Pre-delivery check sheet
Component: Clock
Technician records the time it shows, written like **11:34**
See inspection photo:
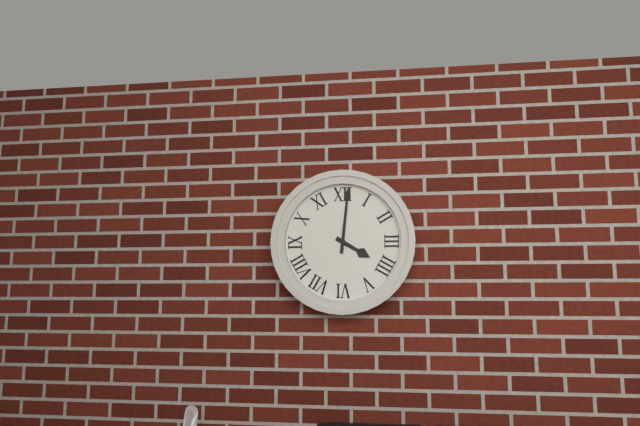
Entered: **4:01**
